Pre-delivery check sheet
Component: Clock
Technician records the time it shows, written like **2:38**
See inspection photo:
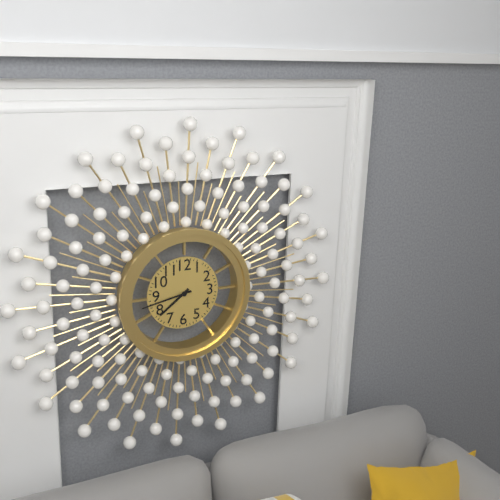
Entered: **7:43**
